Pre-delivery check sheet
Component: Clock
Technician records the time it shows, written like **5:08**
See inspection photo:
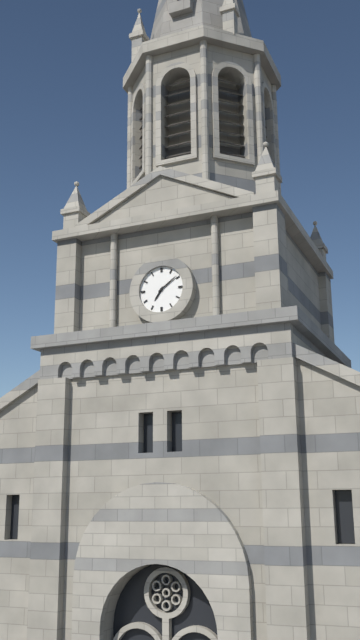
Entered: **7:09**
